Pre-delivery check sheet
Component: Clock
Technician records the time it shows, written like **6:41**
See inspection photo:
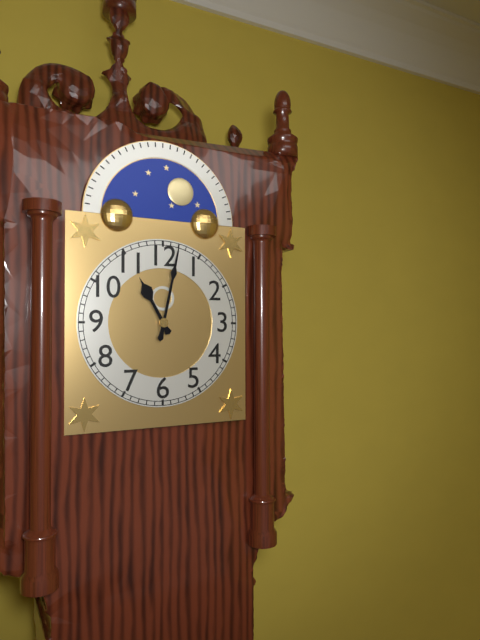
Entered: **11:02**
